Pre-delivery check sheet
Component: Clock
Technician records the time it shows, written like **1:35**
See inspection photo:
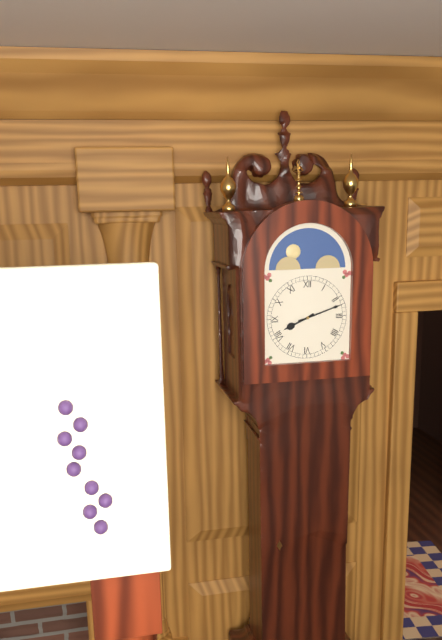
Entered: **8:12**
